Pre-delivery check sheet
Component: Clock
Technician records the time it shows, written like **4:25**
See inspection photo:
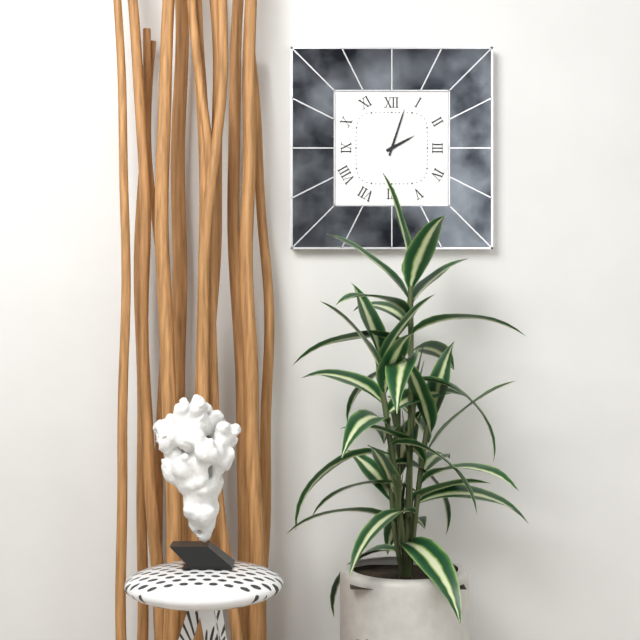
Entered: **2:03**
